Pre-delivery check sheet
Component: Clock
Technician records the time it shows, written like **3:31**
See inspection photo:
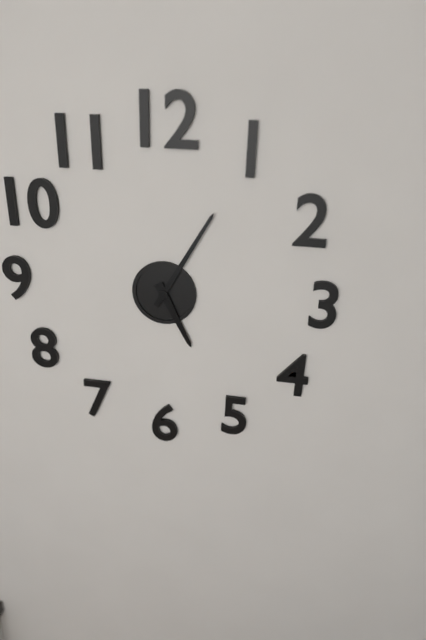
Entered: **5:05**
